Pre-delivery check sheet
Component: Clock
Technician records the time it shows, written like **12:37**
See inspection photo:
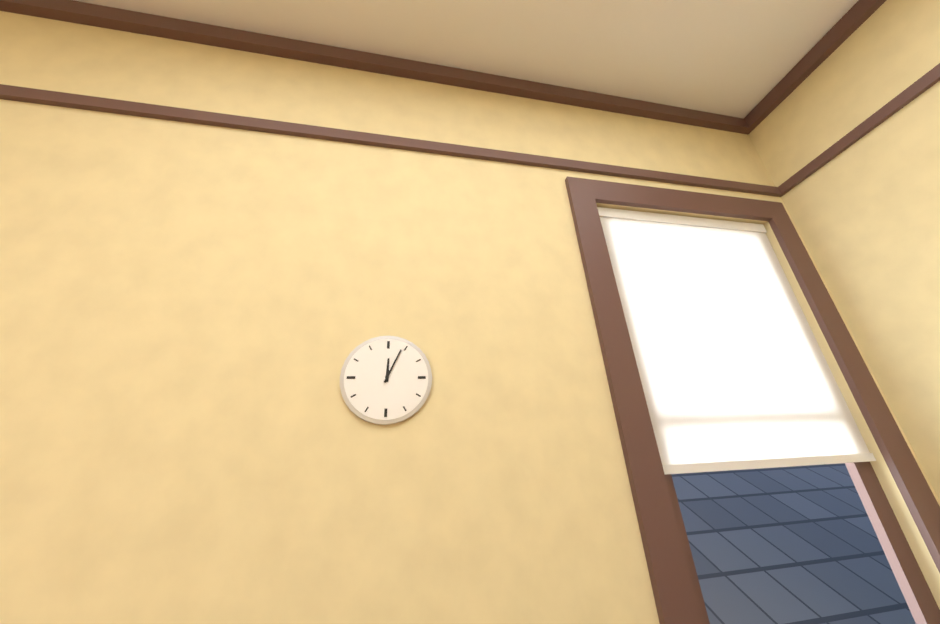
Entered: **12:04**
